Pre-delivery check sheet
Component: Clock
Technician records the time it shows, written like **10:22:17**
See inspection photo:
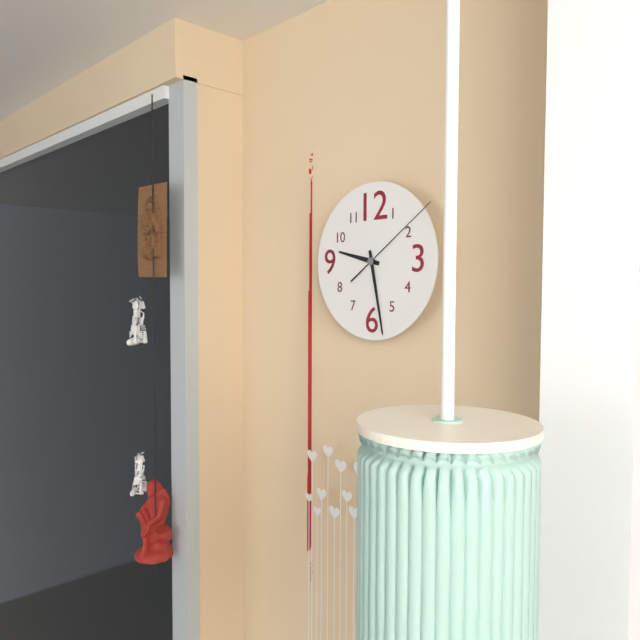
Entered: **9:28:09**
